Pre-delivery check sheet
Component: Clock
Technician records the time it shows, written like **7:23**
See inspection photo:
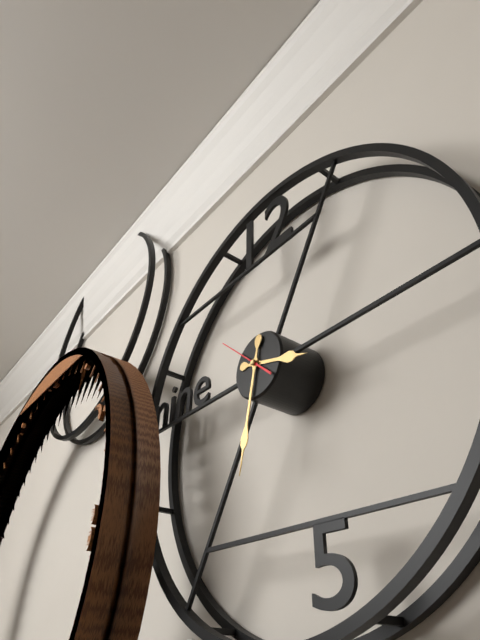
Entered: **3:32**
